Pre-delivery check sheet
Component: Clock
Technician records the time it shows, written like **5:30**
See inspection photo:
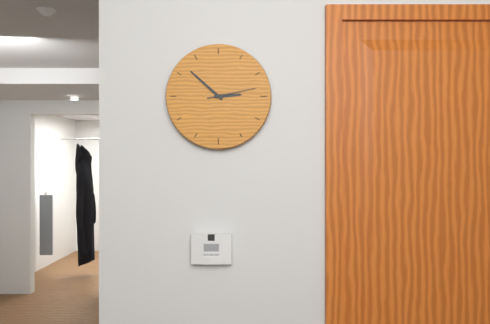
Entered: **2:52**
